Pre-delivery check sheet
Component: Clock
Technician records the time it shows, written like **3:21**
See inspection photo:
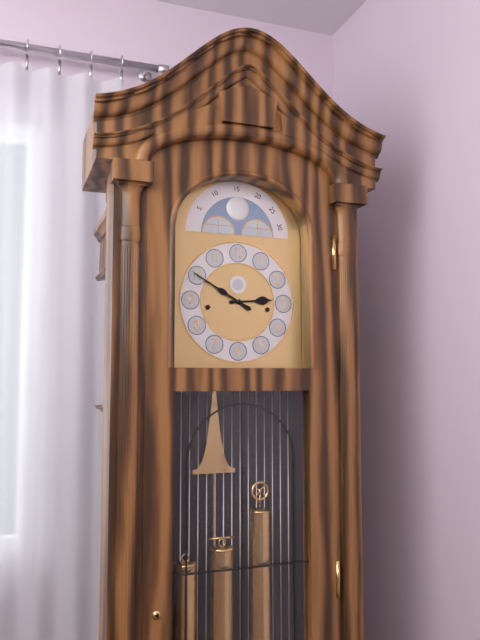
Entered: **2:50**
